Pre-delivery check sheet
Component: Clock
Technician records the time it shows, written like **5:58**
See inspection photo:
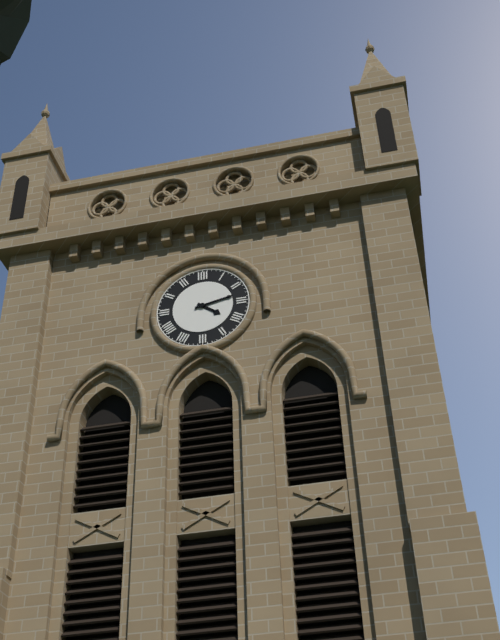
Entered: **4:13**
